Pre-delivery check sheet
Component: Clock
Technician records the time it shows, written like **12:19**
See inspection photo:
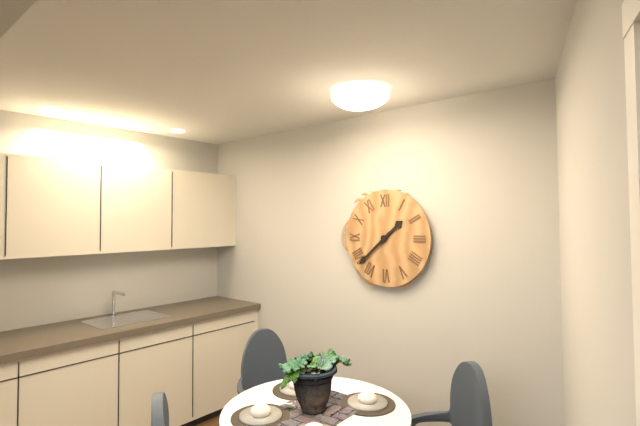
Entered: **1:38**
